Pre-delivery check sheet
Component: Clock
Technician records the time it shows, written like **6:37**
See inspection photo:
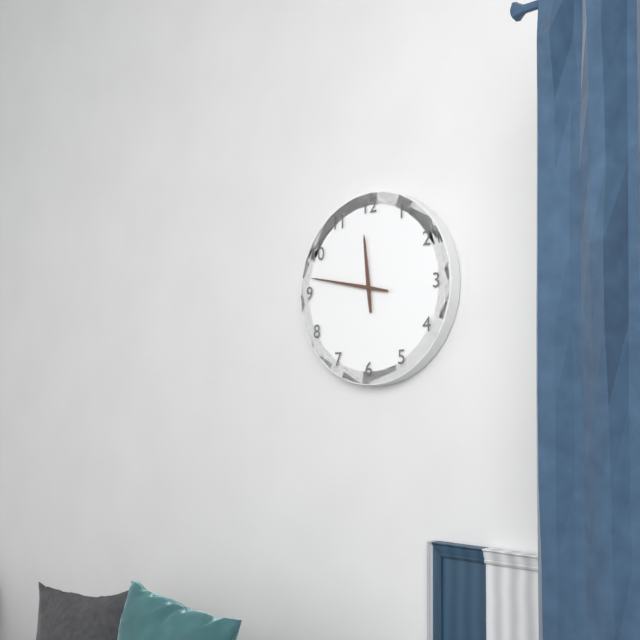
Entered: **11:47**
